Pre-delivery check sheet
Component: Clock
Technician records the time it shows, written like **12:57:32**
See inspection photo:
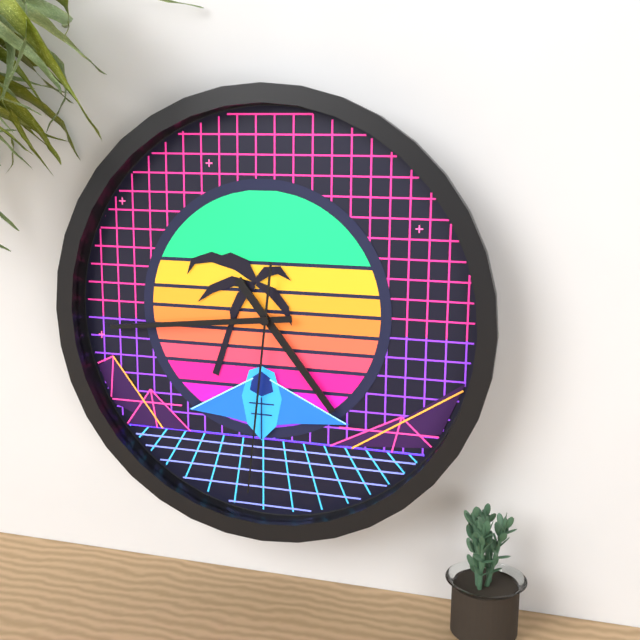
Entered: **4:44:31**
